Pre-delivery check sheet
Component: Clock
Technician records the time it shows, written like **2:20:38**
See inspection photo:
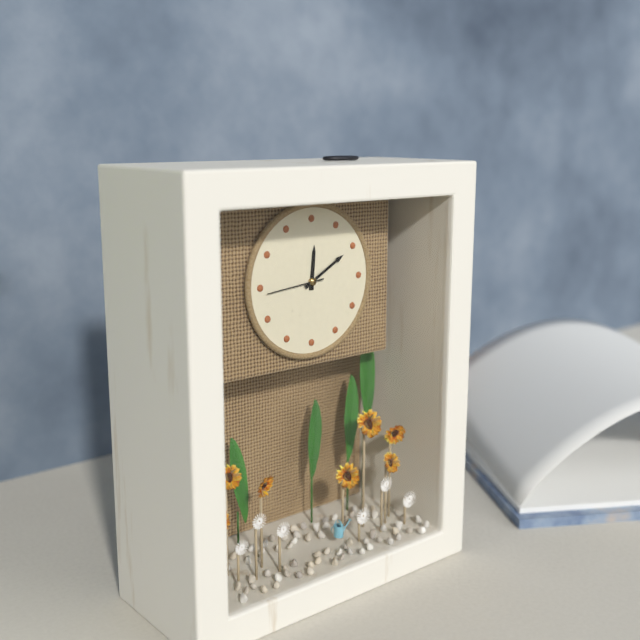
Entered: **12:10:44**
